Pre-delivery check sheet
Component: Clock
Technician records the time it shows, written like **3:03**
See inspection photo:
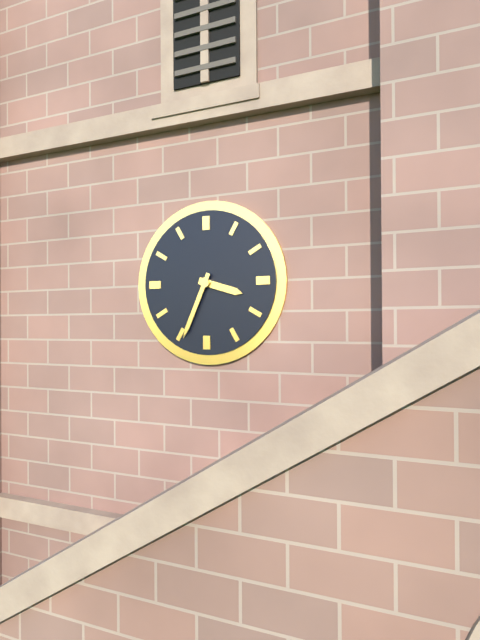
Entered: **3:34**
